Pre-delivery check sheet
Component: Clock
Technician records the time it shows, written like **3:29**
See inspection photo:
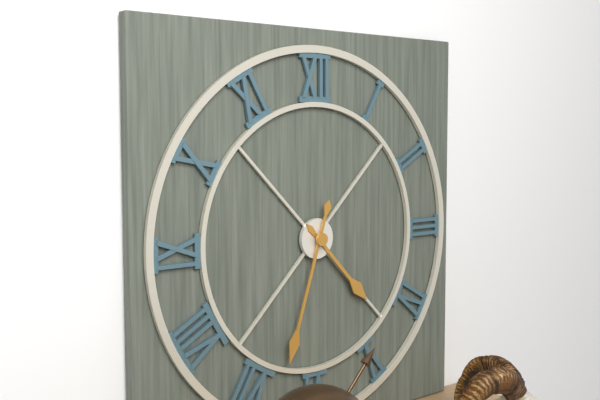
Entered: **4:33**
